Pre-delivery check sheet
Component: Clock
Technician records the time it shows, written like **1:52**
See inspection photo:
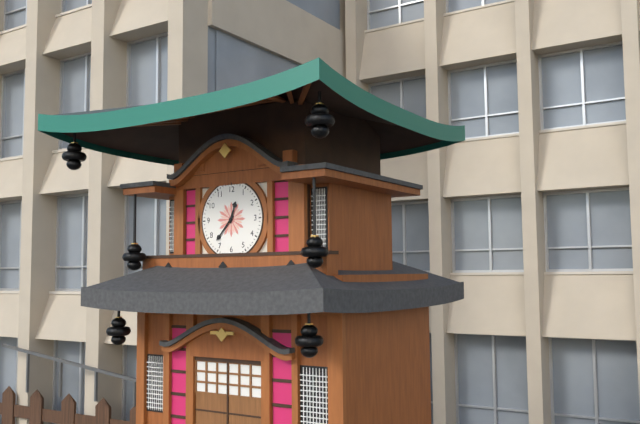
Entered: **12:37**
